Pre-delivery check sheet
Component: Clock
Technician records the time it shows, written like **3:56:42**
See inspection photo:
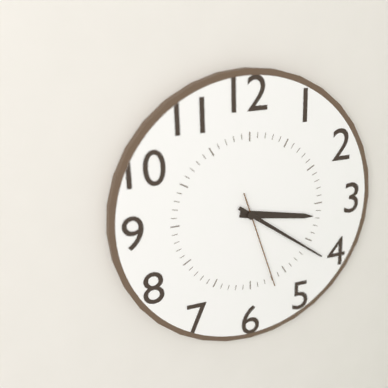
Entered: **3:21:27**
